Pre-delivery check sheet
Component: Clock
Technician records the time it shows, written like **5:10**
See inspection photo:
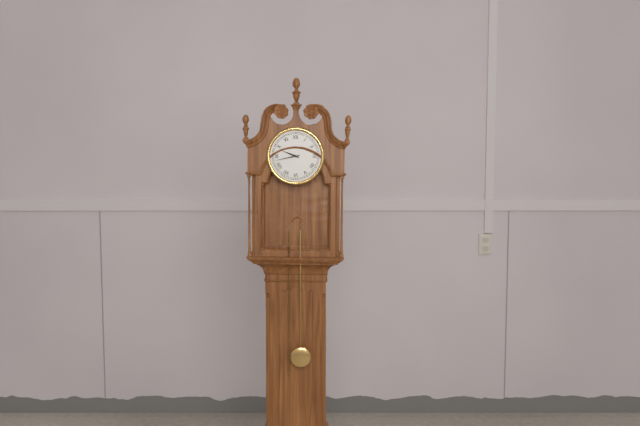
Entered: **9:43**
